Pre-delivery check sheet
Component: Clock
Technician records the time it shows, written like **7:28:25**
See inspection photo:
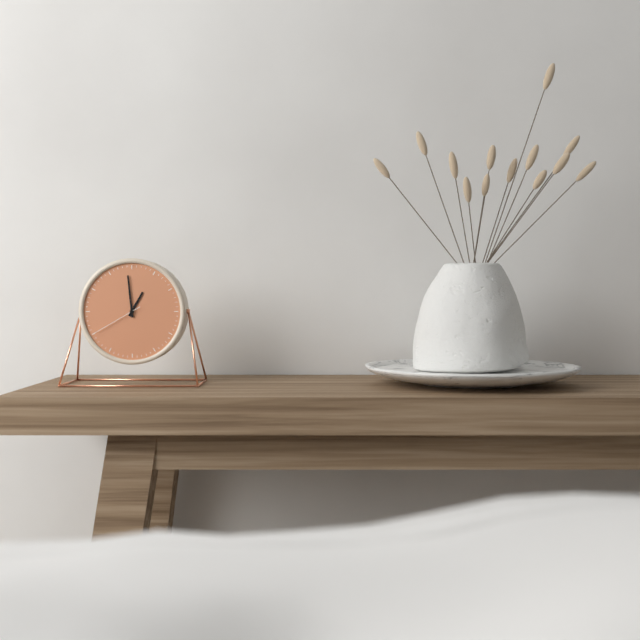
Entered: **12:59:40**
